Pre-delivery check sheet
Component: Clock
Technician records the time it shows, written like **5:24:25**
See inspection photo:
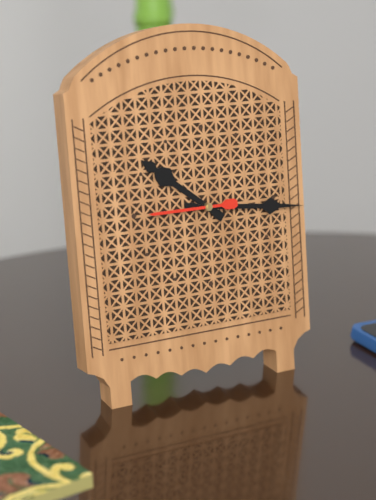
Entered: **10:16:45**
